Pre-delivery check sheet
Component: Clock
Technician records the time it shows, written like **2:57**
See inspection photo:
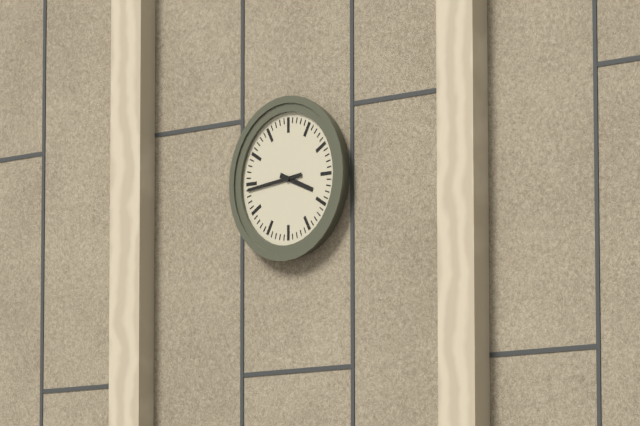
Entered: **3:44**
